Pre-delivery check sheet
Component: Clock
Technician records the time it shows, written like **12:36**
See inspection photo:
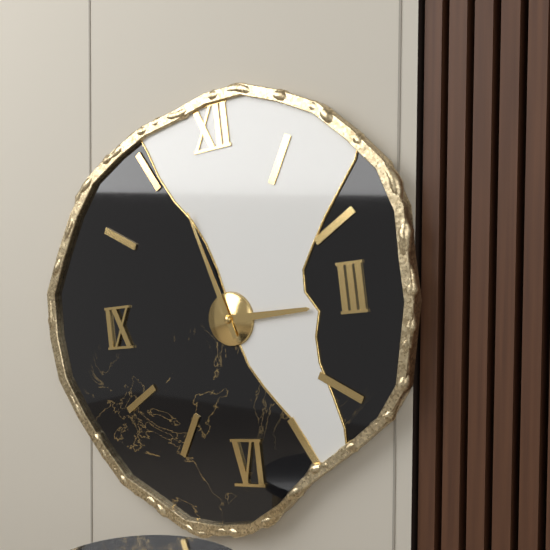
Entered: **2:57**
